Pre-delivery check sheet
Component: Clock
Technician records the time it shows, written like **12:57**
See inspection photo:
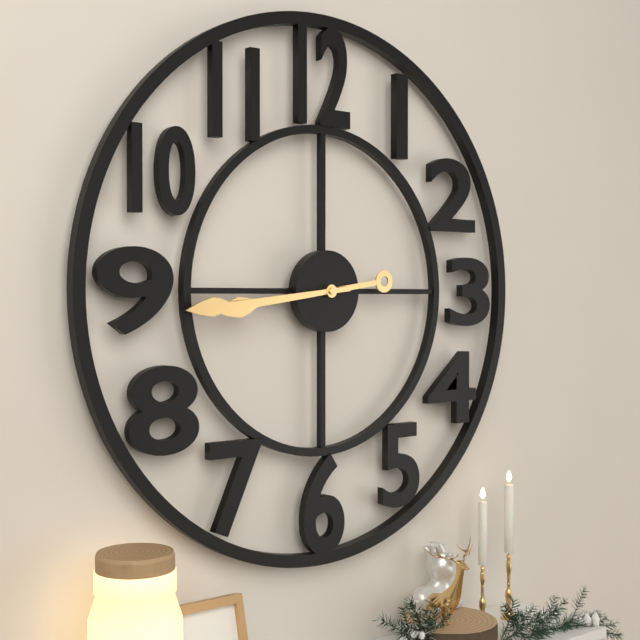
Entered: **8:44**
